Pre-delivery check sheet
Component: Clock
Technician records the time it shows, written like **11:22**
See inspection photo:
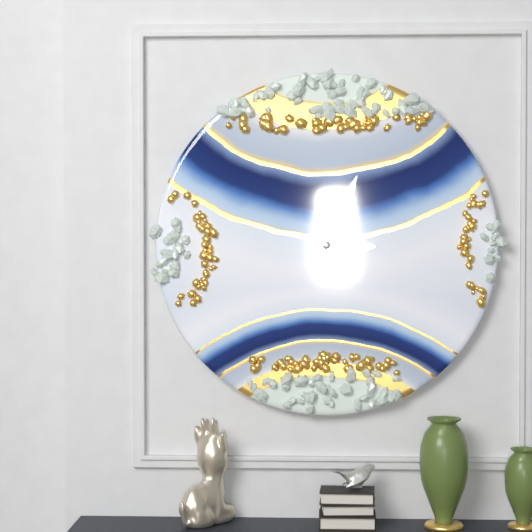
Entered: **3:04**
